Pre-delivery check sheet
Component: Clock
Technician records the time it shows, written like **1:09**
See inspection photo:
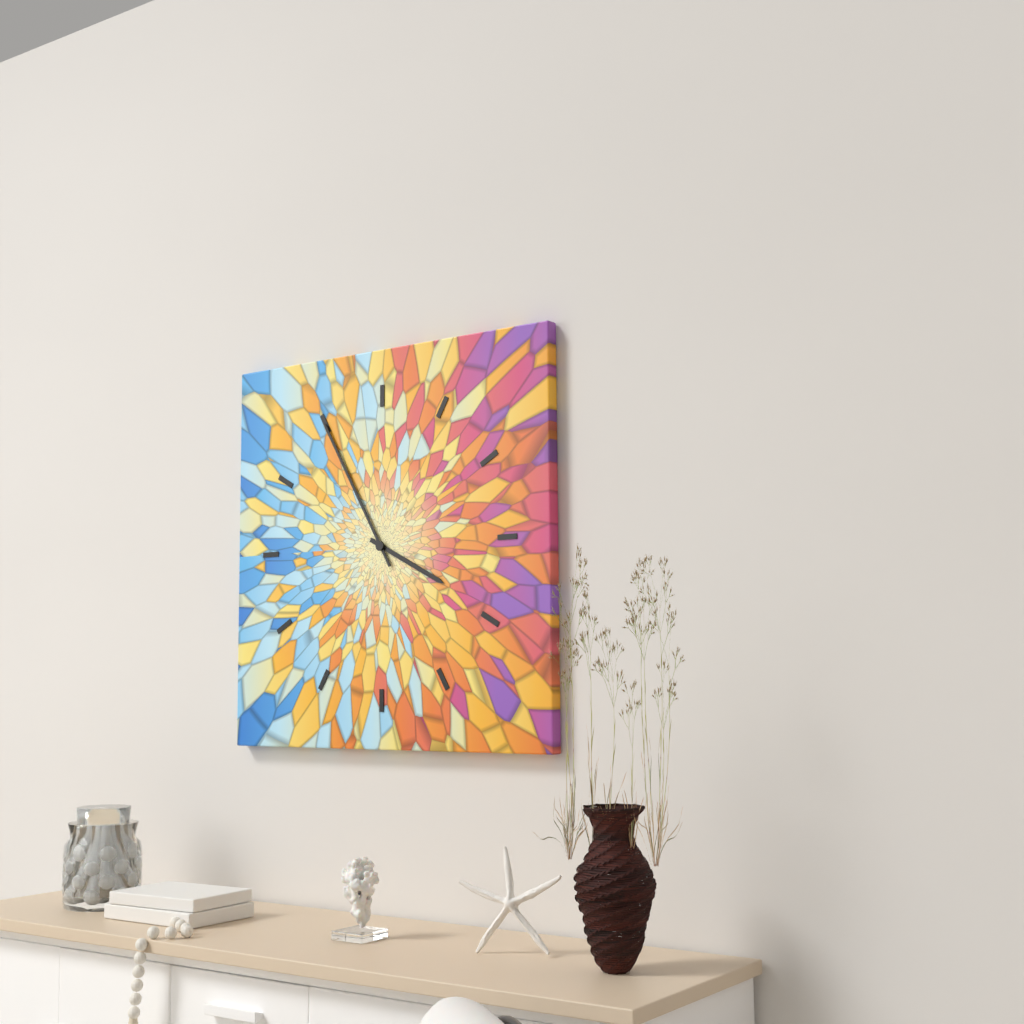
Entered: **3:55**
